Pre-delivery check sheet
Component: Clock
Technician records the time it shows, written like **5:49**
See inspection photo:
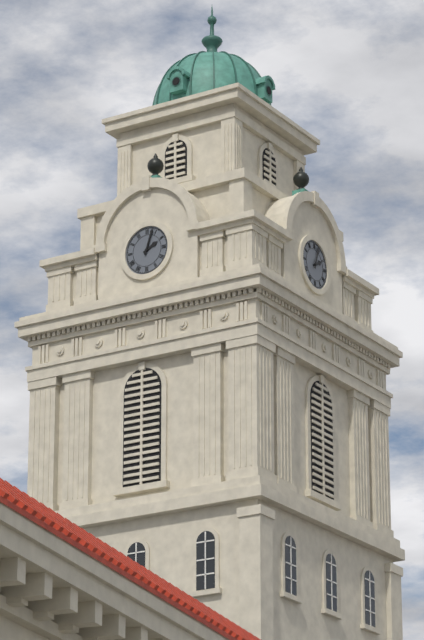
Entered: **2:03**
